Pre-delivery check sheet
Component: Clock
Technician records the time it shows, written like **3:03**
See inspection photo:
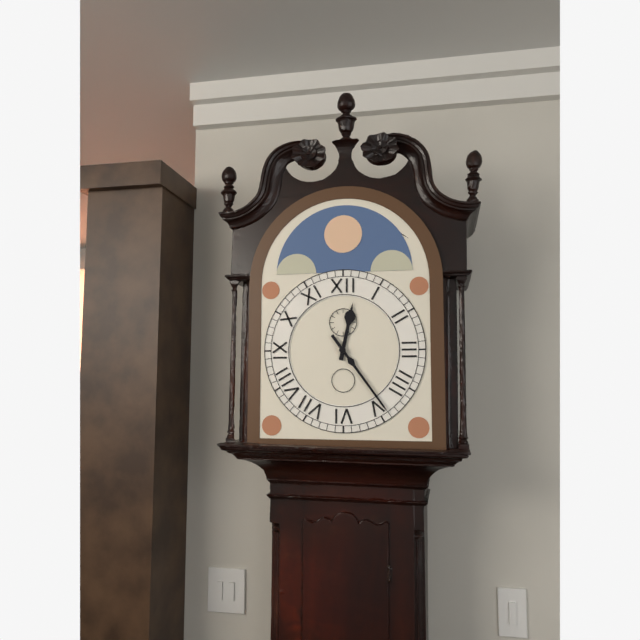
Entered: **12:24**
